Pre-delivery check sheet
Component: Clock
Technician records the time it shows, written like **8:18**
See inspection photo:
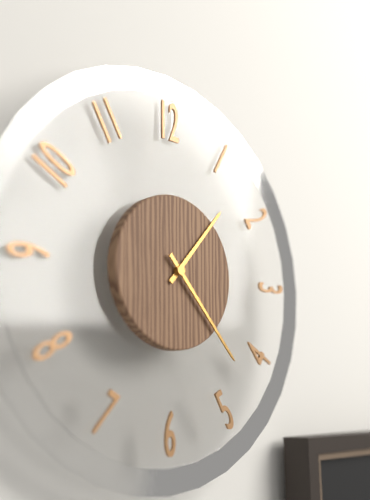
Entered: **1:23**
